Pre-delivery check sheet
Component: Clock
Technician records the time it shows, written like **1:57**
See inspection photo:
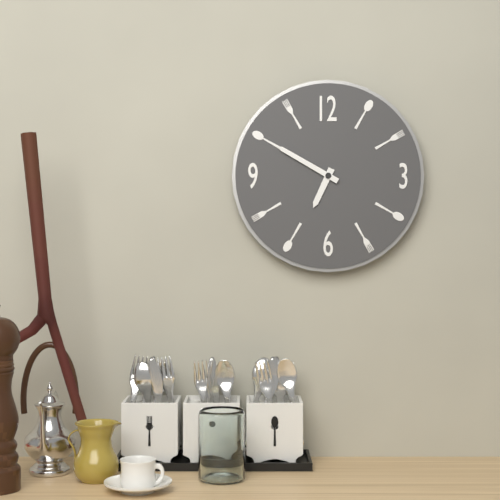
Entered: **6:50**
